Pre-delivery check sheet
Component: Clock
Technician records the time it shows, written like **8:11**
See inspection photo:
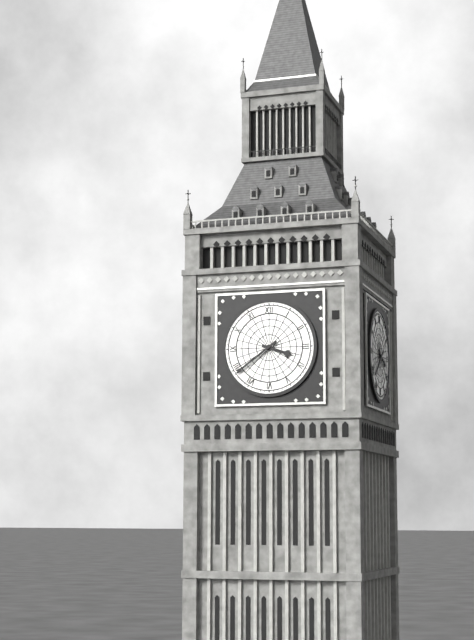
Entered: **3:39**
